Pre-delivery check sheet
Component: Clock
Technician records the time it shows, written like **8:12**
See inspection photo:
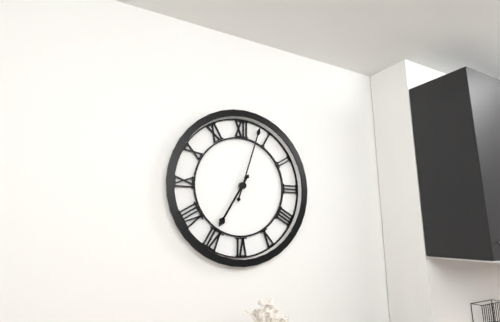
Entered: **7:03**
